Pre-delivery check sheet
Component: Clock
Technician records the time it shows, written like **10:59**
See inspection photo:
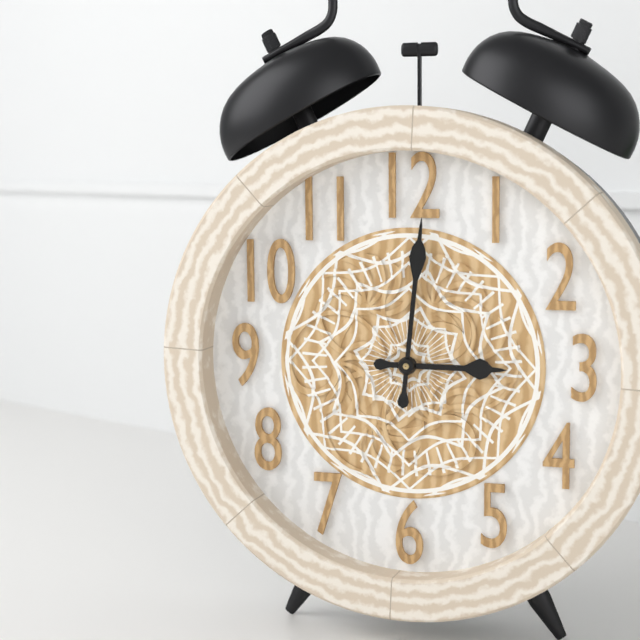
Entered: **3:01**
